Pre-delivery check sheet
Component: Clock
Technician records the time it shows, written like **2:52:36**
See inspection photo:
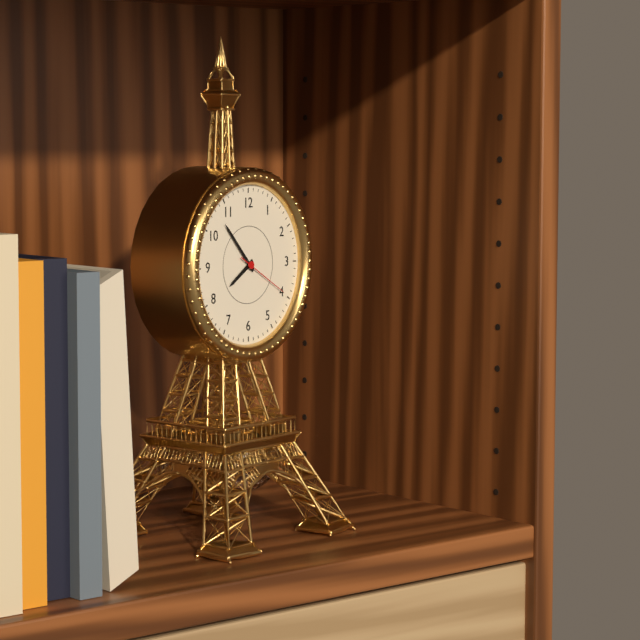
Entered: **7:53:20**
